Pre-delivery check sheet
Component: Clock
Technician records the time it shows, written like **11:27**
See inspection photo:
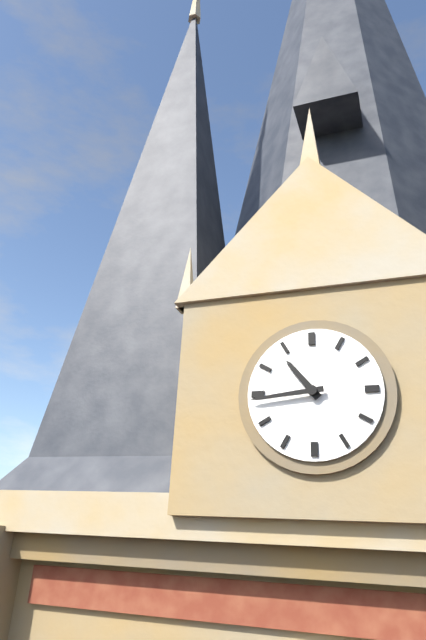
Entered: **10:44**
